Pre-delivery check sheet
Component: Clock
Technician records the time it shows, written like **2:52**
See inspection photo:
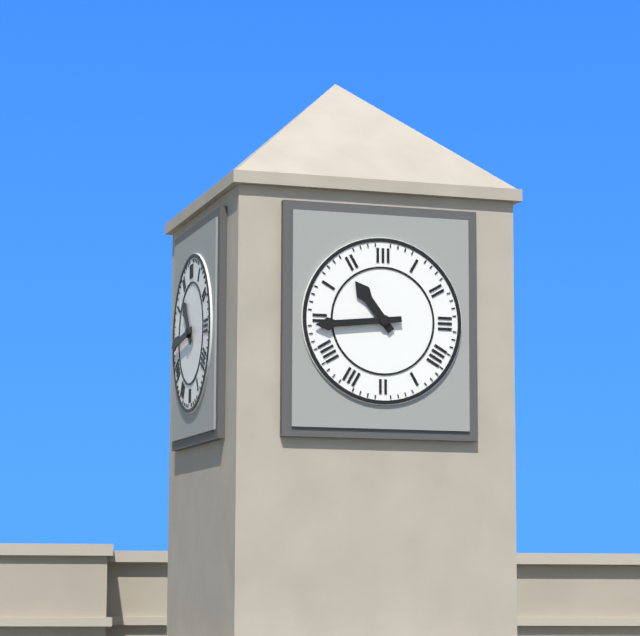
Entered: **10:44**
